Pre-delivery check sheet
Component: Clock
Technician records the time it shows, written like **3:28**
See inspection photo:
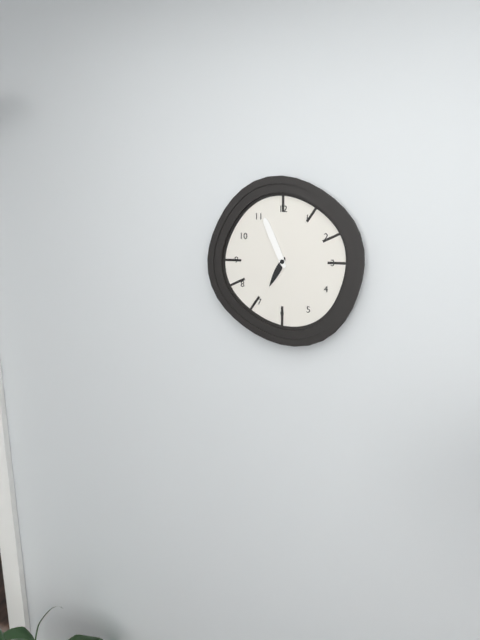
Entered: **6:56**
